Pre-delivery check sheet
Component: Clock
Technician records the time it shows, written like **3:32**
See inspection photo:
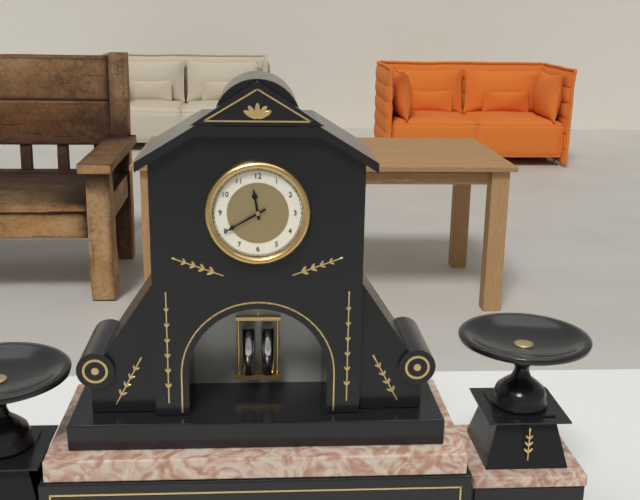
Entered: **11:40**
